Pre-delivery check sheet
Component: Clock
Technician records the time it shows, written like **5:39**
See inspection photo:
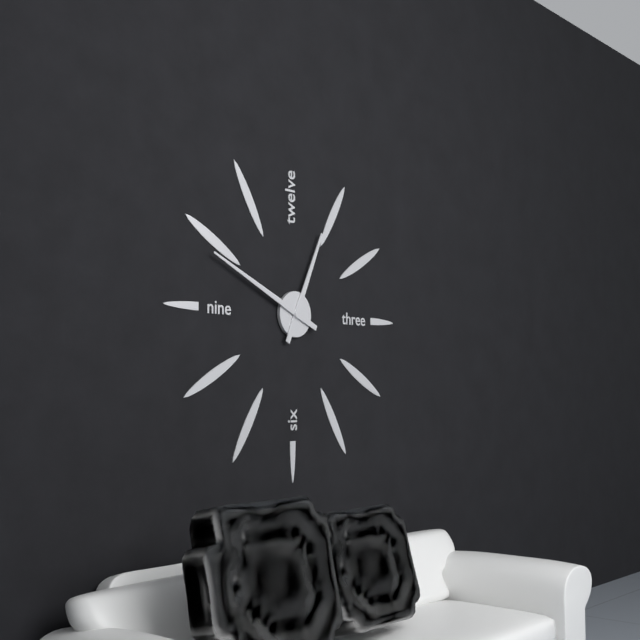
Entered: **12:49**
